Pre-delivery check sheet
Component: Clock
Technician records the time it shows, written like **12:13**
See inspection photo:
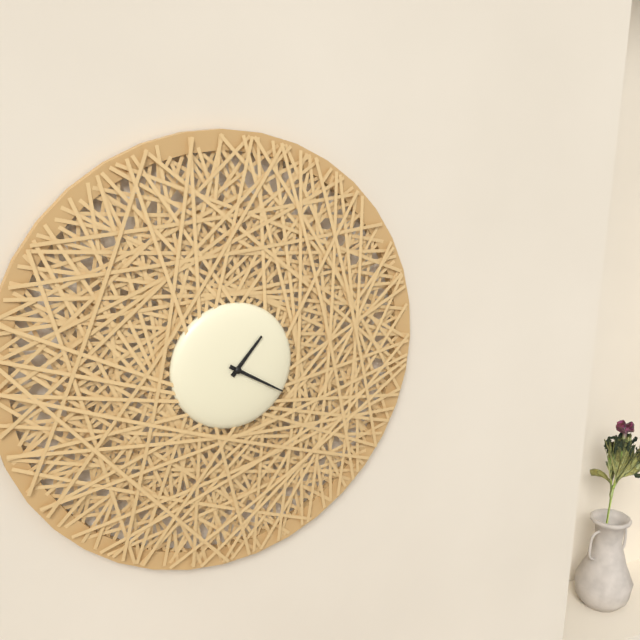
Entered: **1:20**
